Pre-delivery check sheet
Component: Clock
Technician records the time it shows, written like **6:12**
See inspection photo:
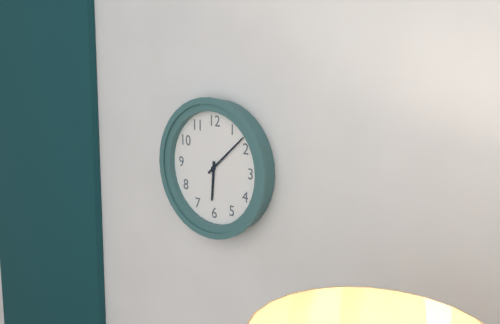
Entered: **6:08**
